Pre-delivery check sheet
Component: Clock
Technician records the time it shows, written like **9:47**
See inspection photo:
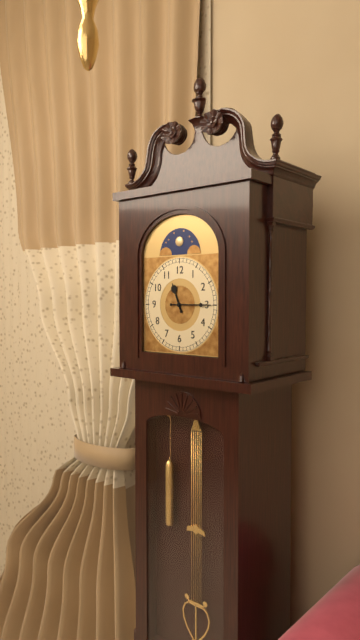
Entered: **11:15**
